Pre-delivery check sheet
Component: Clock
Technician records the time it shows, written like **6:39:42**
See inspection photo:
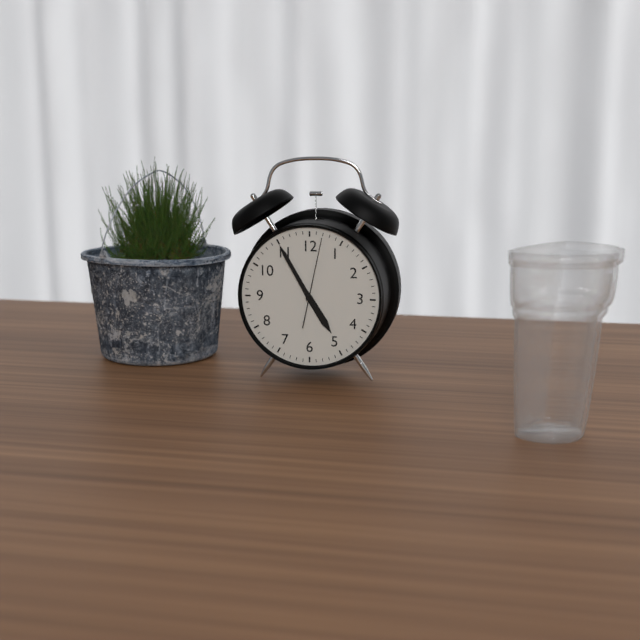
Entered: **4:55:02**
